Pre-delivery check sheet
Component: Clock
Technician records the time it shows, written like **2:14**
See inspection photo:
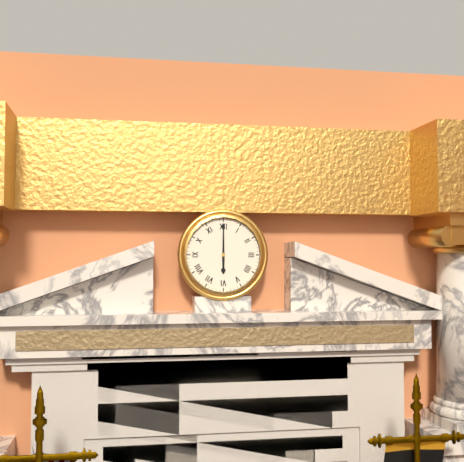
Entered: **6:00**
